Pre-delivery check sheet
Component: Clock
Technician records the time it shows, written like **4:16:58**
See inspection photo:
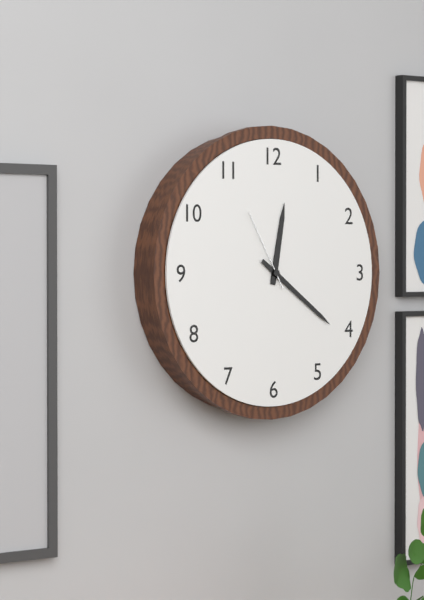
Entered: **12:21:55**
